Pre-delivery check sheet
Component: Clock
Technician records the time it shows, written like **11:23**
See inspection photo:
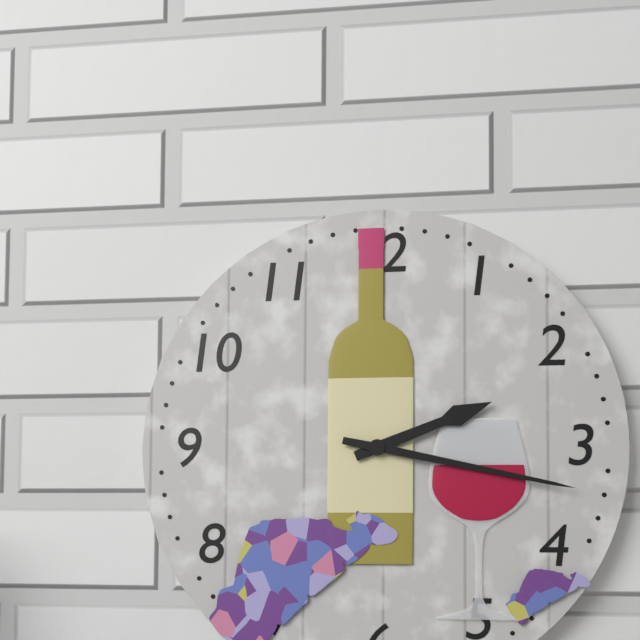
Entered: **2:17**
